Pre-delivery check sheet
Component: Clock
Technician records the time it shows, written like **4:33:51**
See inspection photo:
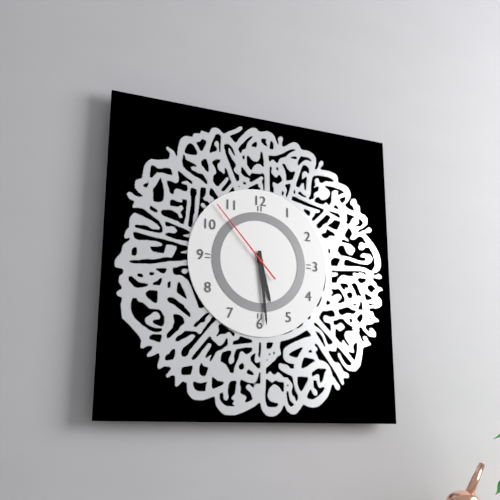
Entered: **5:29:53**
